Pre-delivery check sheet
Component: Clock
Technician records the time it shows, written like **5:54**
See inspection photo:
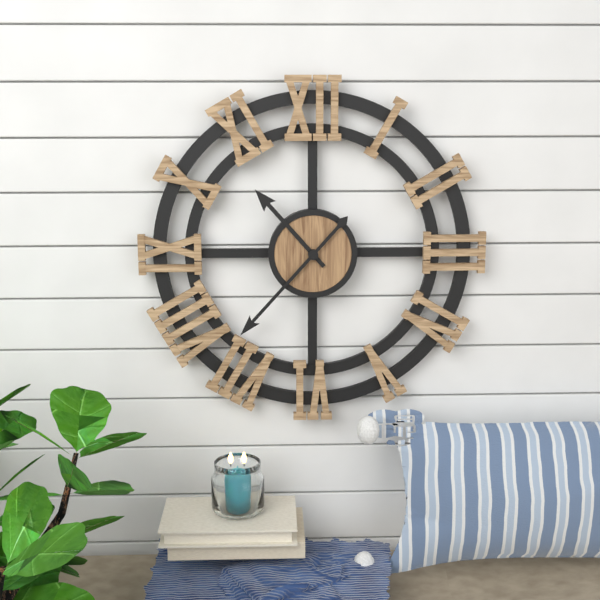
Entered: **10:37**
